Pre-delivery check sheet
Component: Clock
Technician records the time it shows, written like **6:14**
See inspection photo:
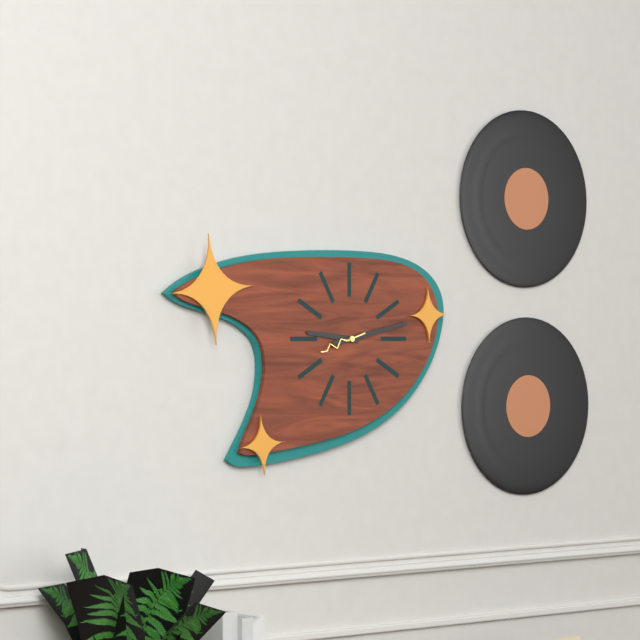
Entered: **9:13**
